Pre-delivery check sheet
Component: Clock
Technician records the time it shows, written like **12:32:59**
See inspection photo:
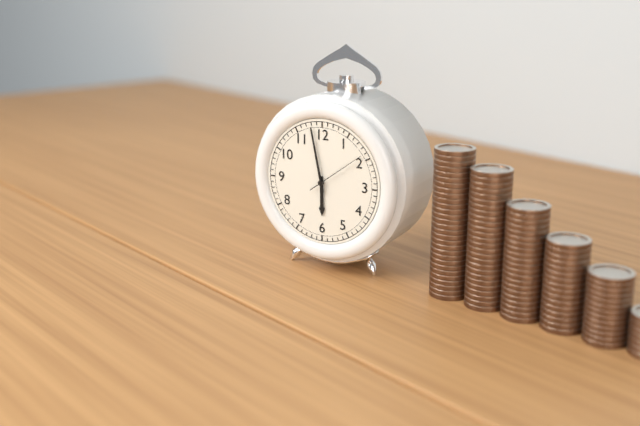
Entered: **5:58:09**
